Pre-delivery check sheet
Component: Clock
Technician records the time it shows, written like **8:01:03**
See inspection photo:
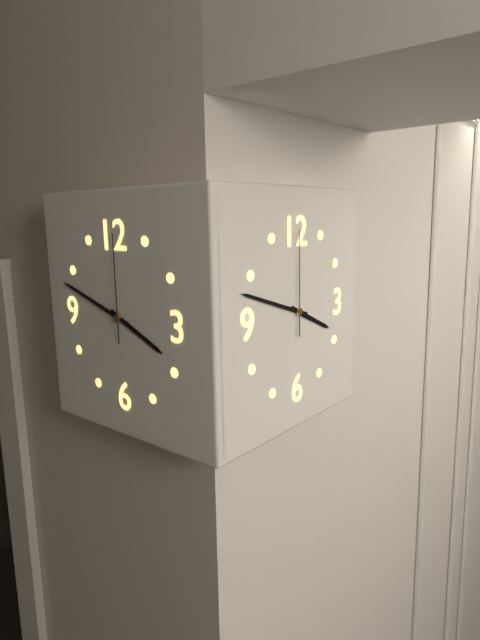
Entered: **3:48:00**
